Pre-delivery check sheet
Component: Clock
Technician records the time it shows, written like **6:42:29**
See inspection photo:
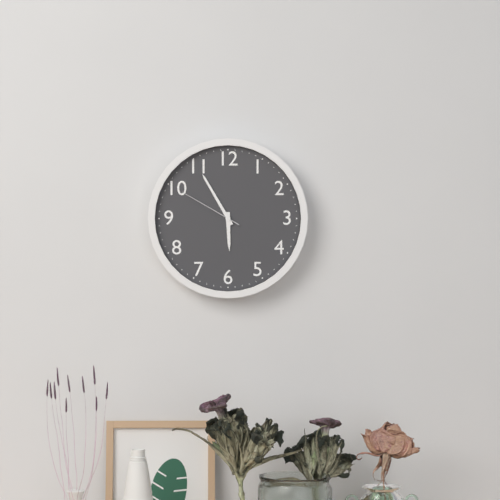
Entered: **5:55:50**
